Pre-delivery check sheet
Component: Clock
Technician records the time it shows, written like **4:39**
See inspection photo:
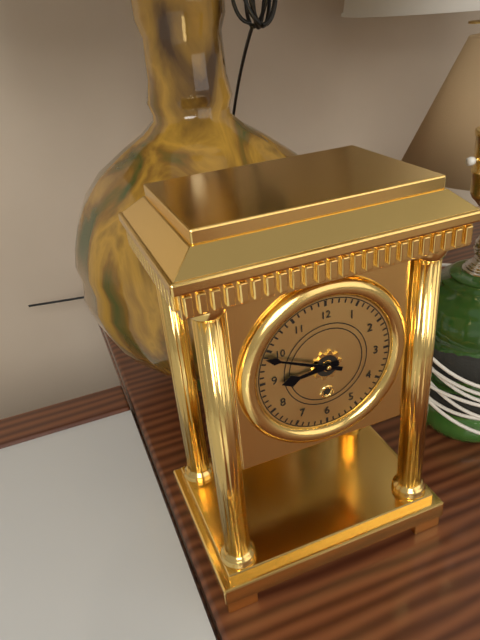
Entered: **8:49**
